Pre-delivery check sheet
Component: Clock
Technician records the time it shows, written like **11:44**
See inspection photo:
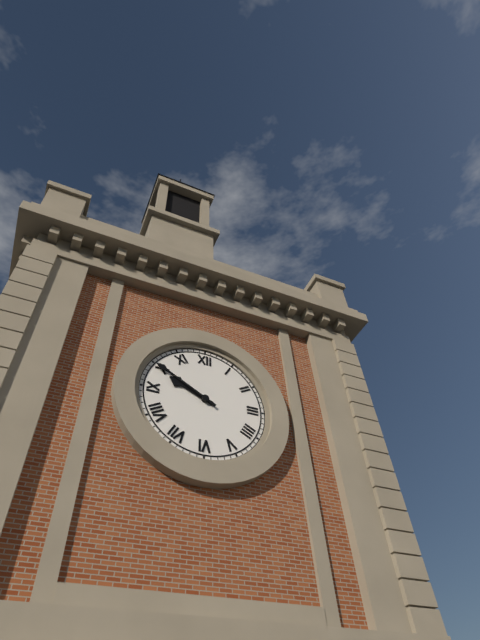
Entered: **9:50**
